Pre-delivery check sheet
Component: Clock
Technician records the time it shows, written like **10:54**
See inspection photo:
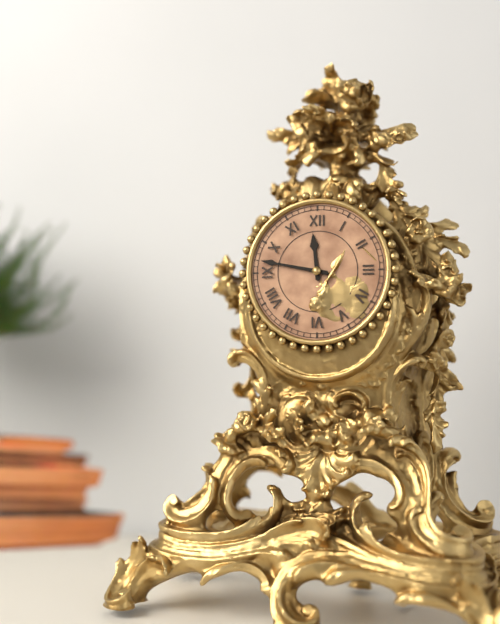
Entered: **11:47**
